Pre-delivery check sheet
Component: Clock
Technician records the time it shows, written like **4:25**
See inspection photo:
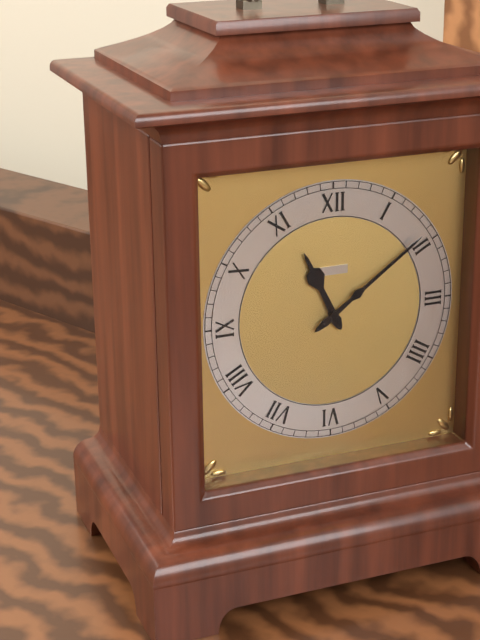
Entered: **11:09**
